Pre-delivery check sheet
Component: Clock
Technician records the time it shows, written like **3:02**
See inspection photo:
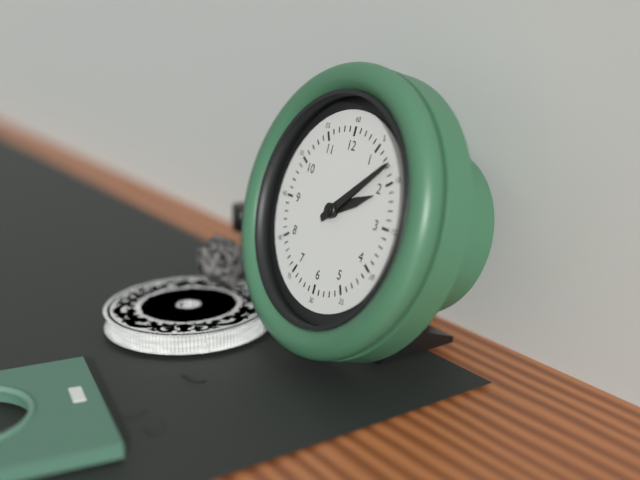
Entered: **2:08**
